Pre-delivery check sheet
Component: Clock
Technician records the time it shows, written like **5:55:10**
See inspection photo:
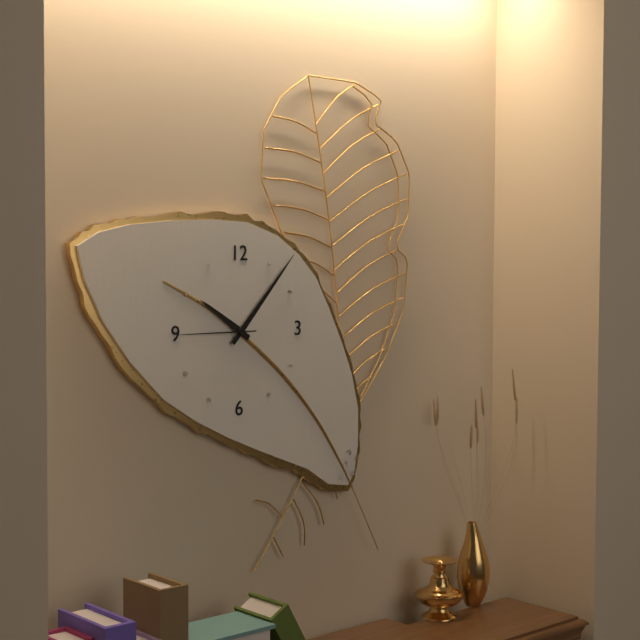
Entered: **10:07:45**
